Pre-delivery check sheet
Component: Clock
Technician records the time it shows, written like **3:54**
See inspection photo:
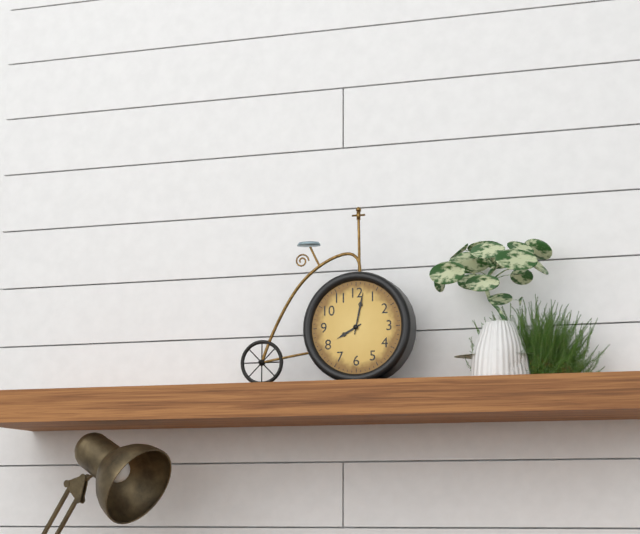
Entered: **8:02**
